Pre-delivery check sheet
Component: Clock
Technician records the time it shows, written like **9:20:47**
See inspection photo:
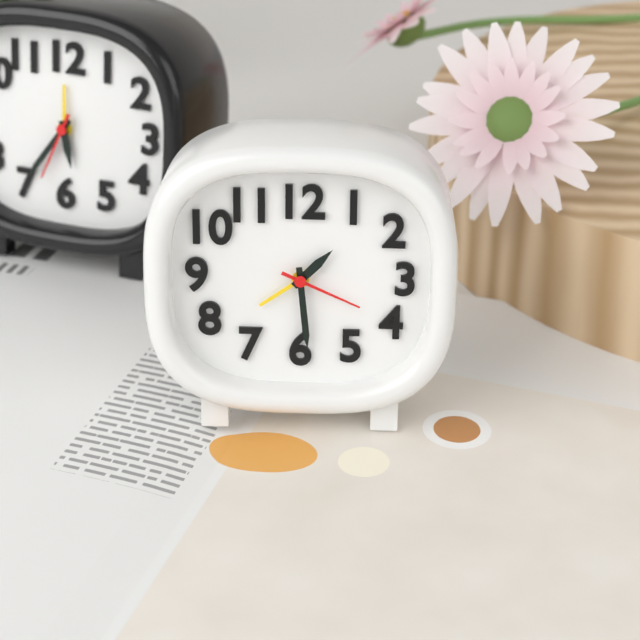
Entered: **1:29:19**
